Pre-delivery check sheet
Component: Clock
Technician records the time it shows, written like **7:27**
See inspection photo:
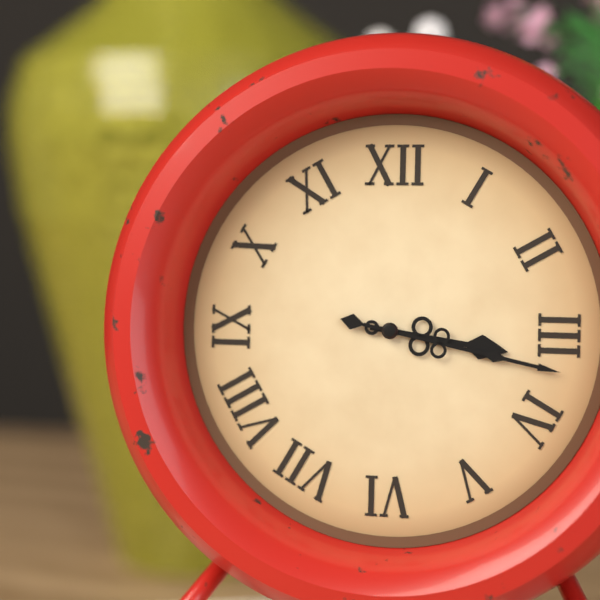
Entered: **3:17**
